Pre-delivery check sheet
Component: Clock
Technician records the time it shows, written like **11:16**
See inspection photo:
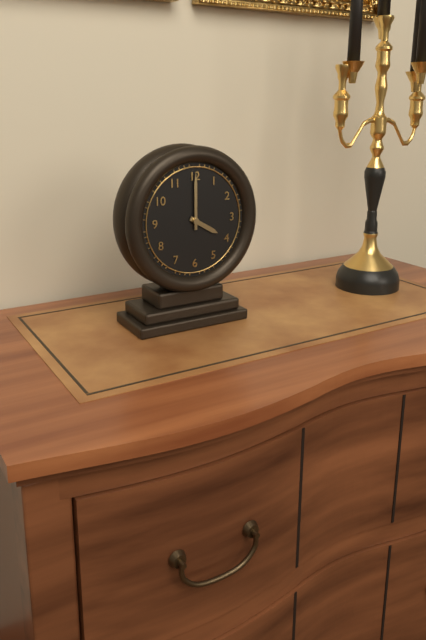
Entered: **4:00**
